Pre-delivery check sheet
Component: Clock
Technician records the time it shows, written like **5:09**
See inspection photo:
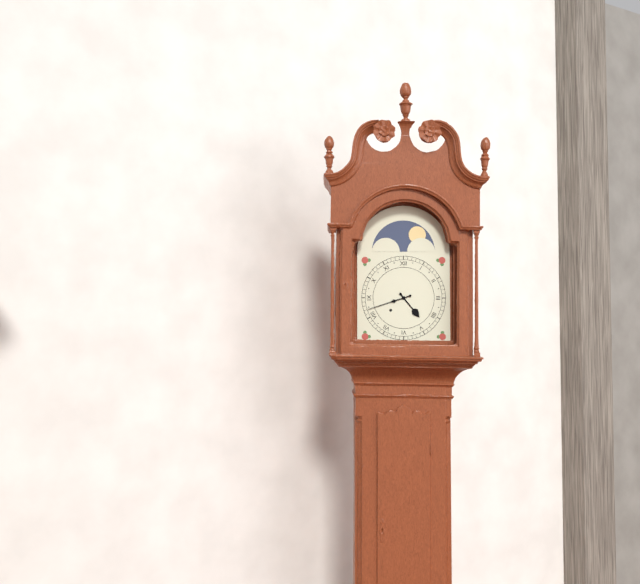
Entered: **4:42**
